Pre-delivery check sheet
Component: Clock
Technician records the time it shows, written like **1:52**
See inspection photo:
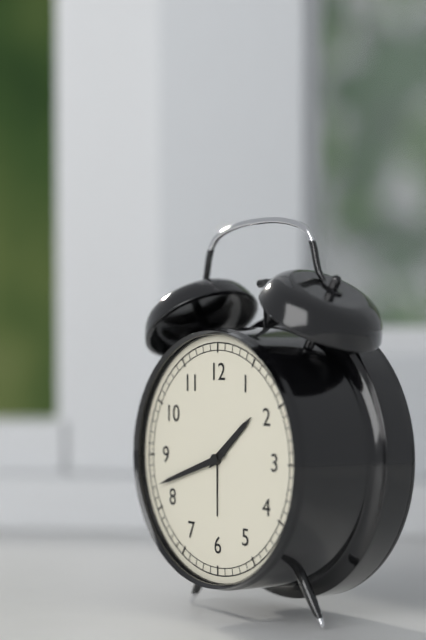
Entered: **1:42**
